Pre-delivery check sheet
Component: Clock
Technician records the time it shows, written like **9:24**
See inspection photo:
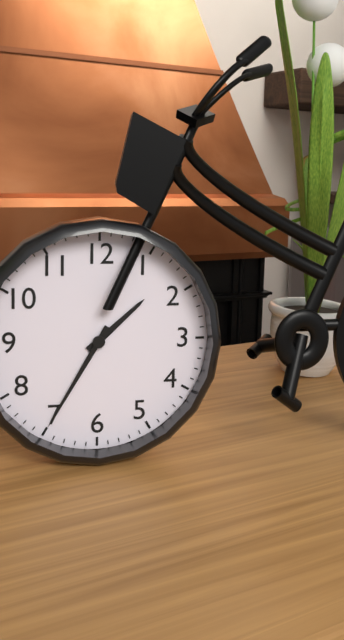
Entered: **1:35**
